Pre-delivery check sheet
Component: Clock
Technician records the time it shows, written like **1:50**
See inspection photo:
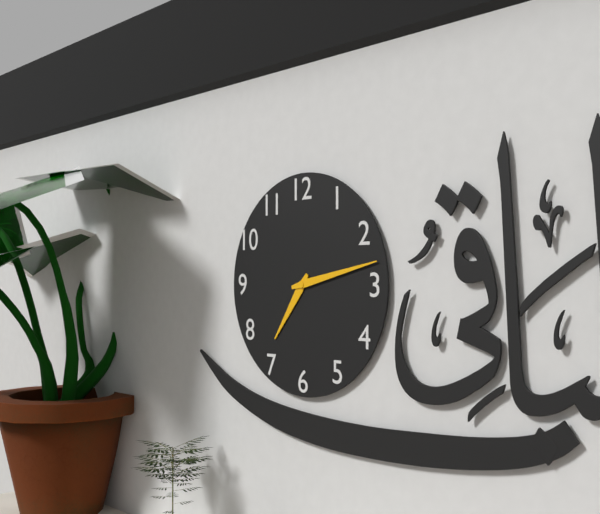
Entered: **7:13**
